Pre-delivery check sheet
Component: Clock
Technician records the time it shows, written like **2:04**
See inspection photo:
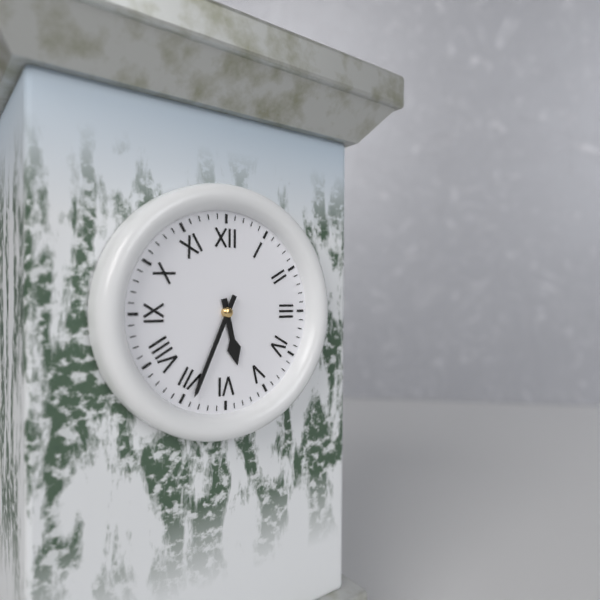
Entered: **5:34**
